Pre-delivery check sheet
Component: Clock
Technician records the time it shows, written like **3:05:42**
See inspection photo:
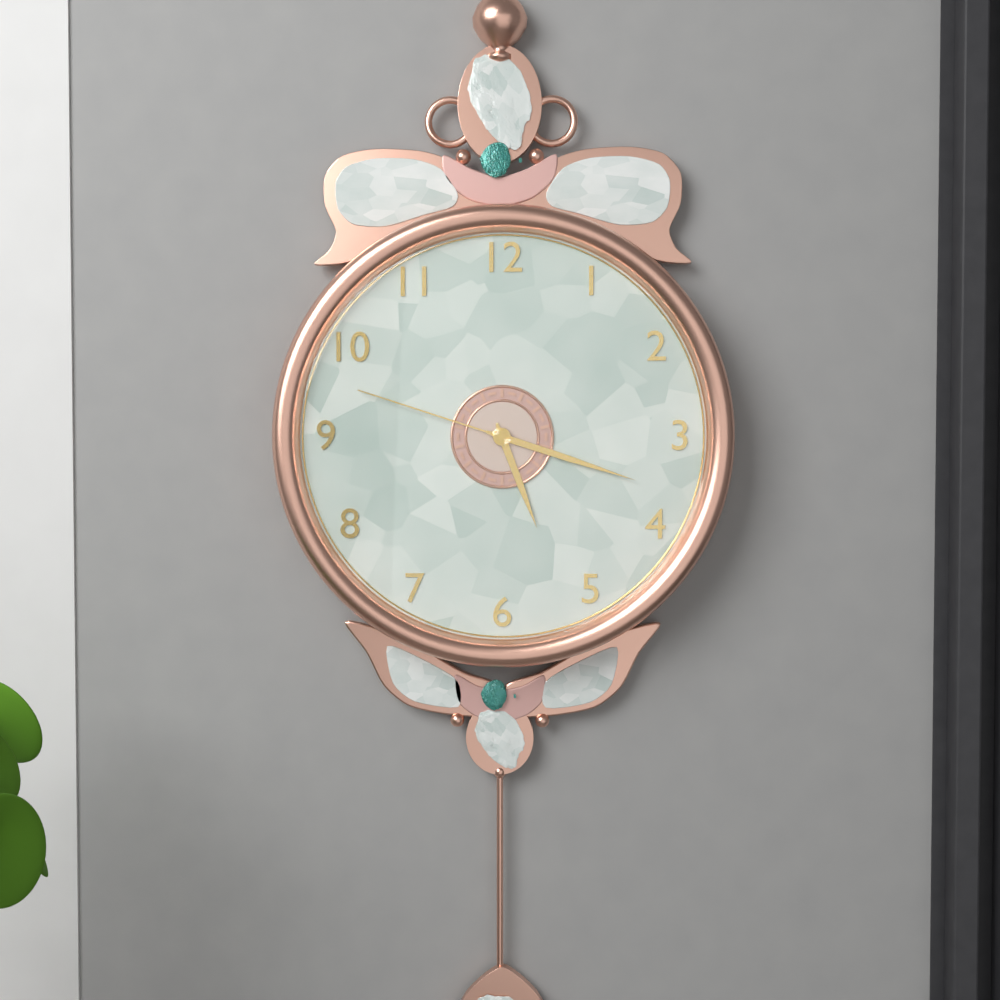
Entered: **5:18:48**
